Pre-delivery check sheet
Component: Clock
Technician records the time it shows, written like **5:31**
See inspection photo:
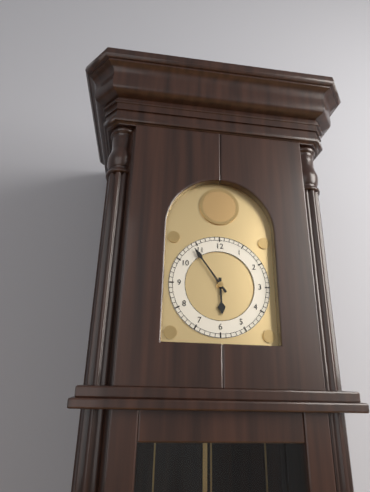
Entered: **5:54**
